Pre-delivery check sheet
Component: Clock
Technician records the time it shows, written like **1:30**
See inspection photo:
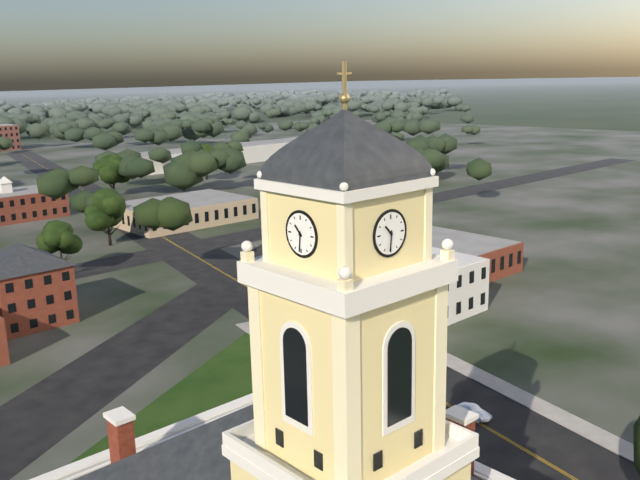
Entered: **10:31**
